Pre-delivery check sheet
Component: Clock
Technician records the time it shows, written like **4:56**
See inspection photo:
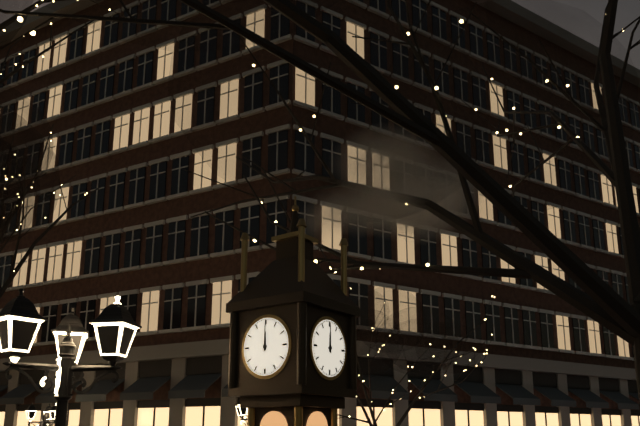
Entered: **12:00**
